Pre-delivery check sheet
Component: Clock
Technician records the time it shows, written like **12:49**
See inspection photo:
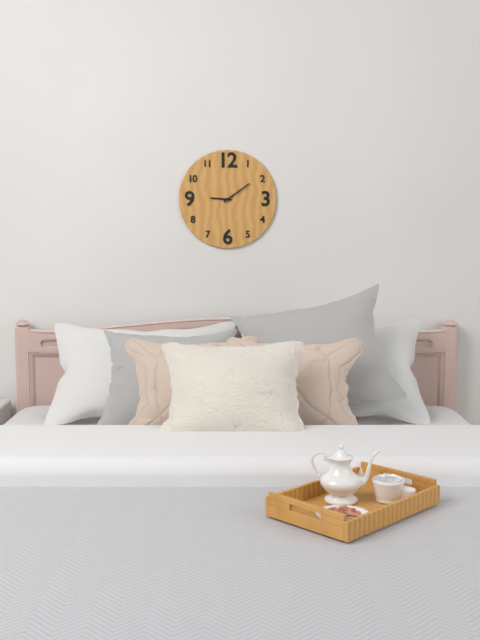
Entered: **9:09**
